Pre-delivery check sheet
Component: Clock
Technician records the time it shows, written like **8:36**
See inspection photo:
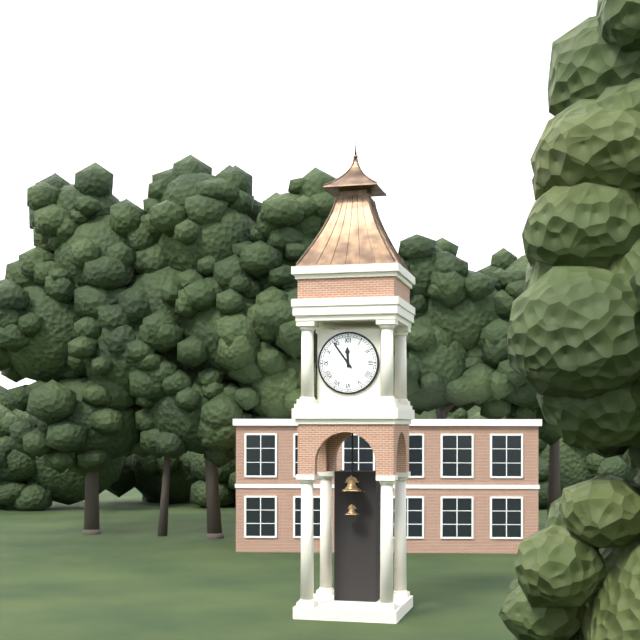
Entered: **11:54**
